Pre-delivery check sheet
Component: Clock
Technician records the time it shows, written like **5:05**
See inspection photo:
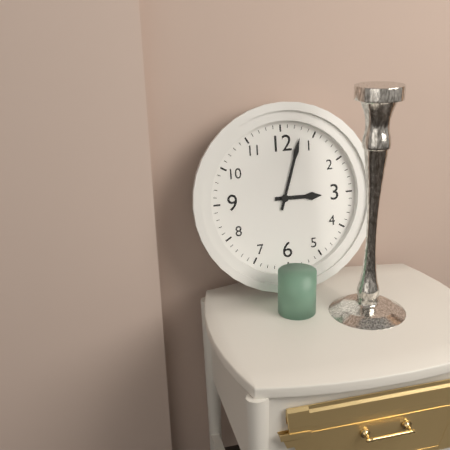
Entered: **3:03**
